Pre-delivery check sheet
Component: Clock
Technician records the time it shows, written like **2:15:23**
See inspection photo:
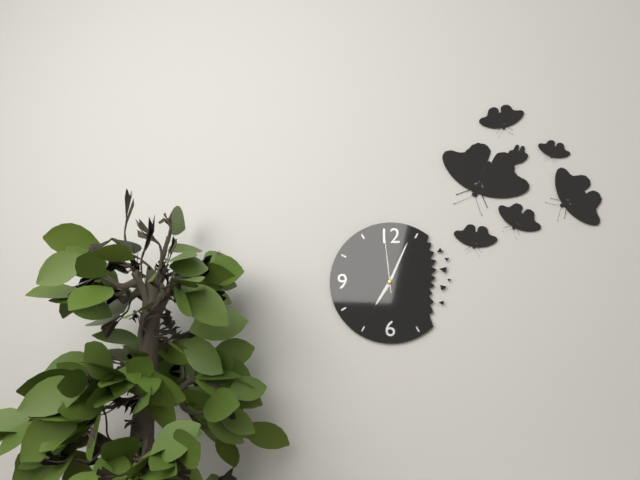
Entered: **7:04:59**
